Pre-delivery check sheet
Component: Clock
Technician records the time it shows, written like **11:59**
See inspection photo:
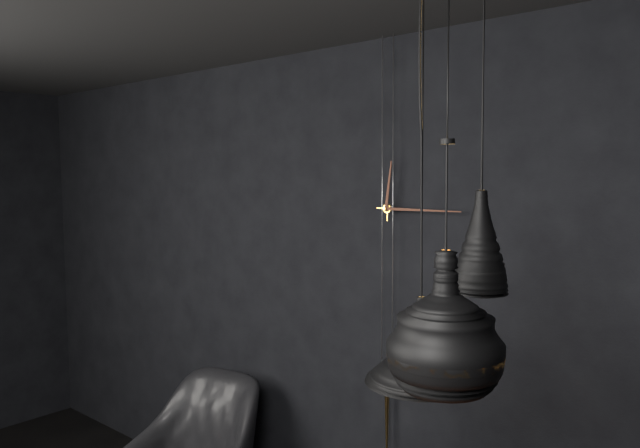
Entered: **12:15**
